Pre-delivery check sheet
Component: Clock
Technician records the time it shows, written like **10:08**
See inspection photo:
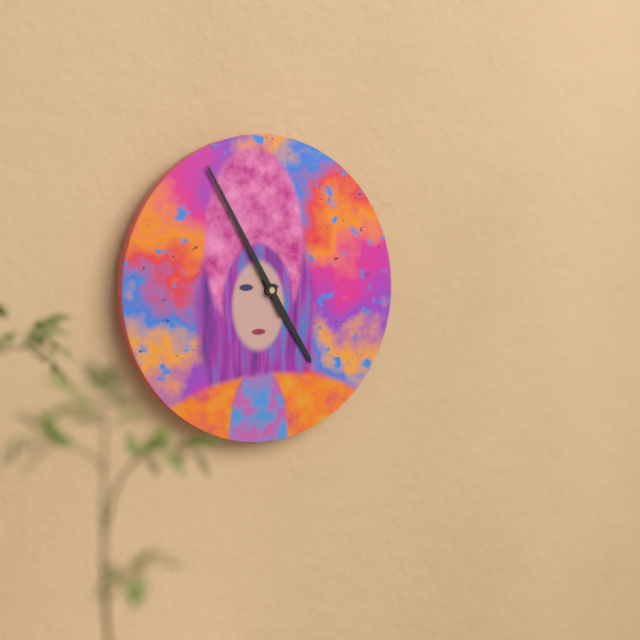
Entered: **4:55**
